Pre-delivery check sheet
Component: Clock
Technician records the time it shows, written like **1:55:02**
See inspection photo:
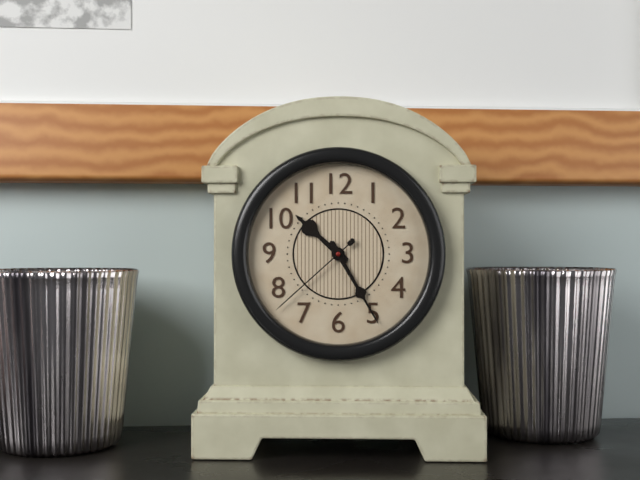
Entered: **10:25:38**
